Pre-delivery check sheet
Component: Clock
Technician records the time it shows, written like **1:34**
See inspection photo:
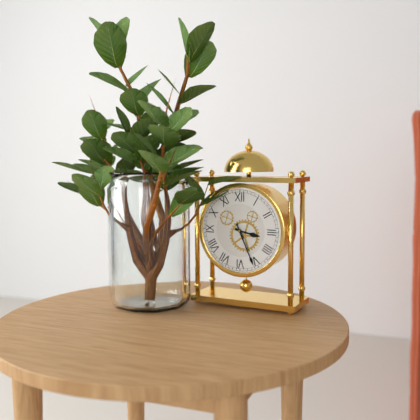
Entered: **3:26**
